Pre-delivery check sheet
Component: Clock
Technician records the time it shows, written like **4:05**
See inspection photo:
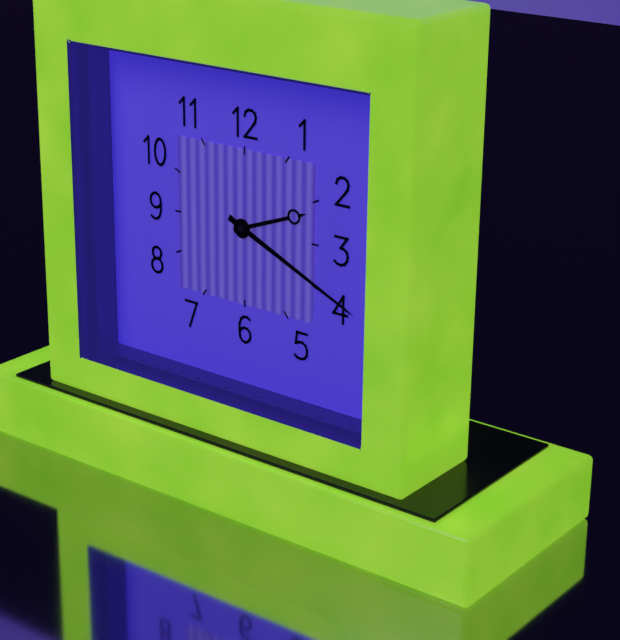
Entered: **2:19**
